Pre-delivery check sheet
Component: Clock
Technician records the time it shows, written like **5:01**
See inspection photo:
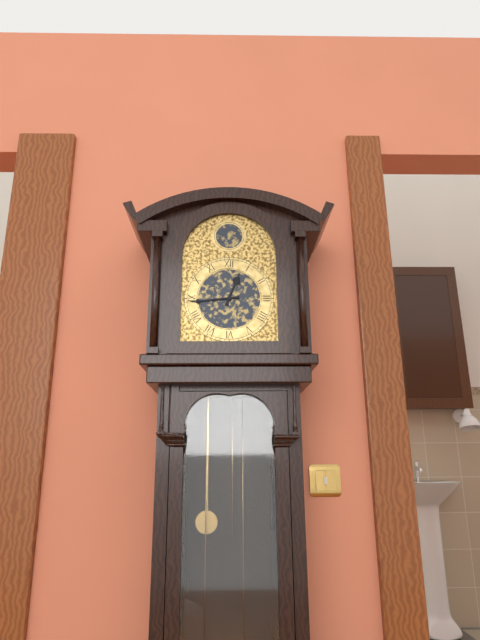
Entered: **12:44**
